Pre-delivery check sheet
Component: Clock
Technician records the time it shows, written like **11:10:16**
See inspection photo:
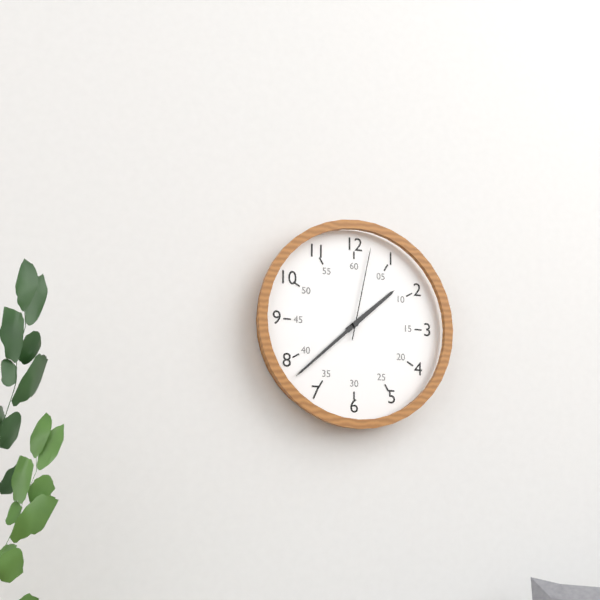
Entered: **1:38:02**
